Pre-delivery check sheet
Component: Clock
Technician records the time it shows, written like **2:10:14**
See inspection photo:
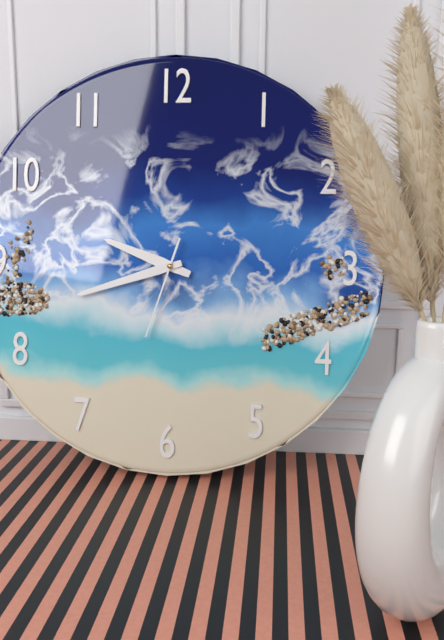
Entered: **9:42:33**
